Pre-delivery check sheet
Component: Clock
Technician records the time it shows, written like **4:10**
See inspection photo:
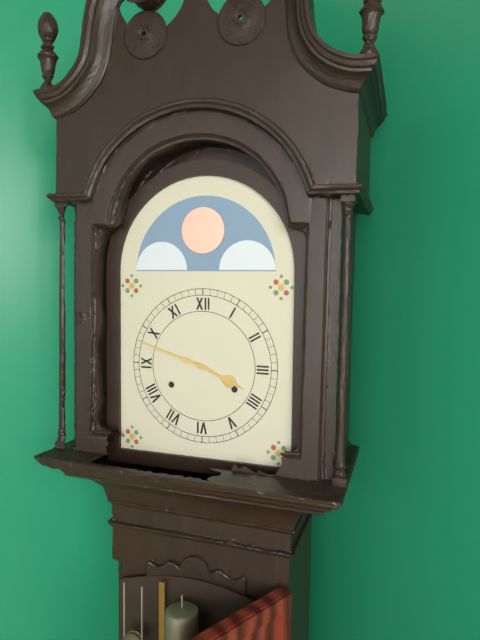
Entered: **3:48**
